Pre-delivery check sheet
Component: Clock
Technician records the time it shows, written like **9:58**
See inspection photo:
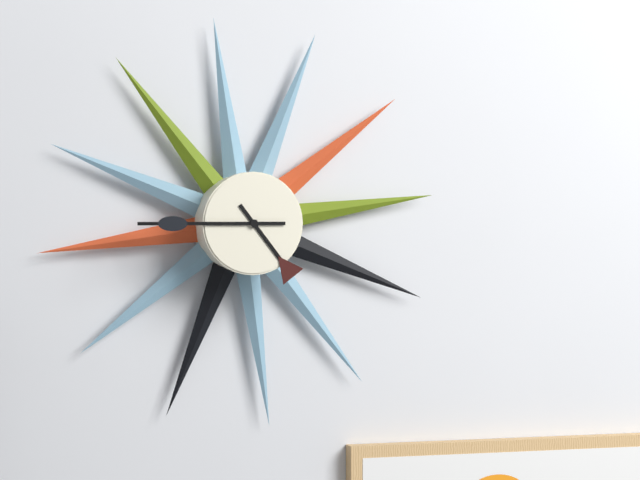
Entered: **4:45**
